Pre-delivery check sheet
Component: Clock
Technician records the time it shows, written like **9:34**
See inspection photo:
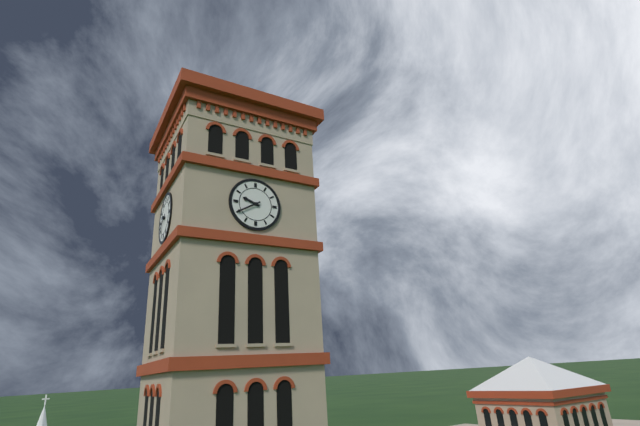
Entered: **9:40**
